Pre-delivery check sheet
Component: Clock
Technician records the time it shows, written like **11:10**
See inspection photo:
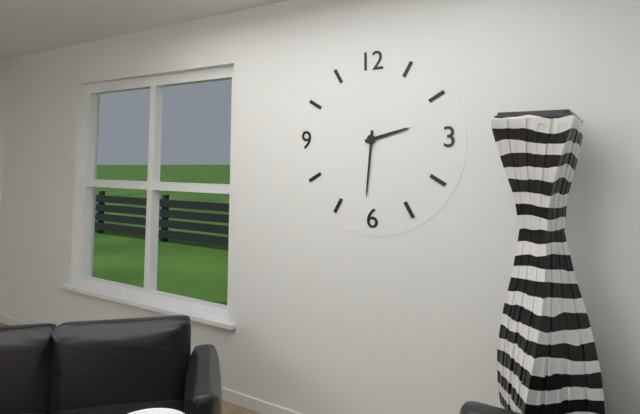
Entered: **2:31**
